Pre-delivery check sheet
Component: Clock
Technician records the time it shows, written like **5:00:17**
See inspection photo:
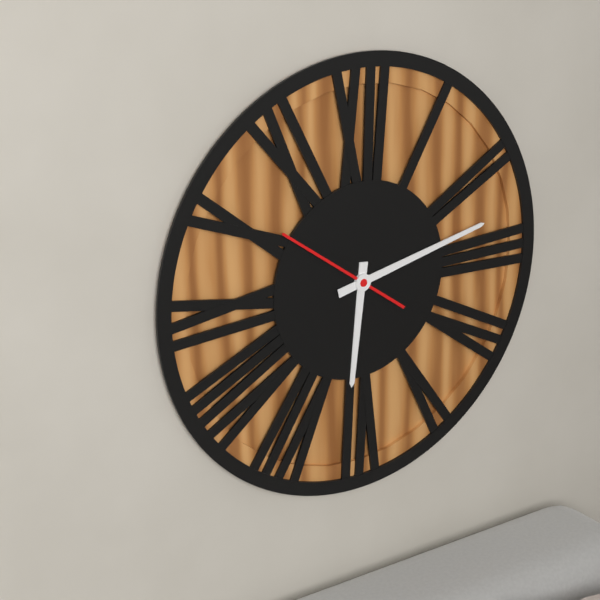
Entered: **6:13:51**
